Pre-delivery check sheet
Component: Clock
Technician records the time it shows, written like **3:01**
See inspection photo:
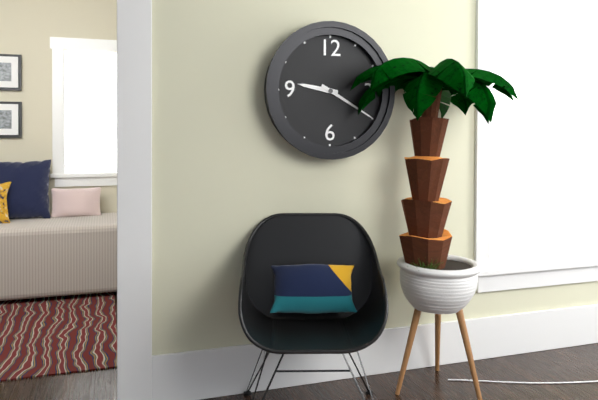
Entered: **9:20**
